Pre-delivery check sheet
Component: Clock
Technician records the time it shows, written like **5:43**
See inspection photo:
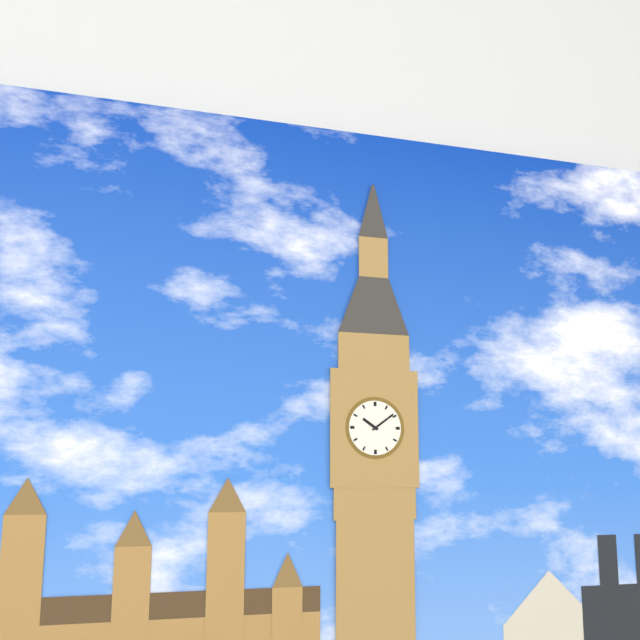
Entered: **10:09**
